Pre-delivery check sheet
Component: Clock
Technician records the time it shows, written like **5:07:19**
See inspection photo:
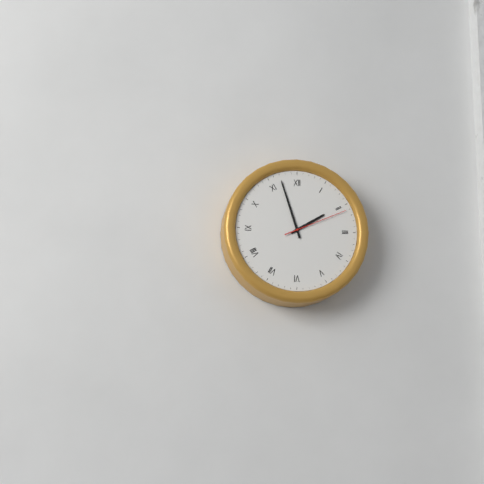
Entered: **1:57:11**
